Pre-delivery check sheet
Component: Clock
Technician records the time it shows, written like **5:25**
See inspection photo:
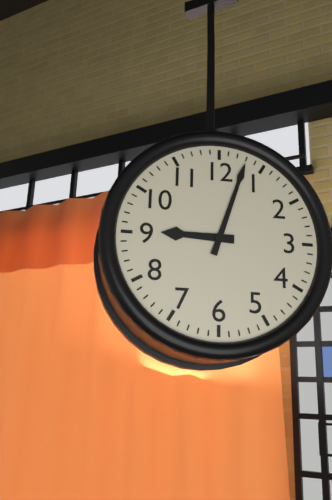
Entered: **9:03**
